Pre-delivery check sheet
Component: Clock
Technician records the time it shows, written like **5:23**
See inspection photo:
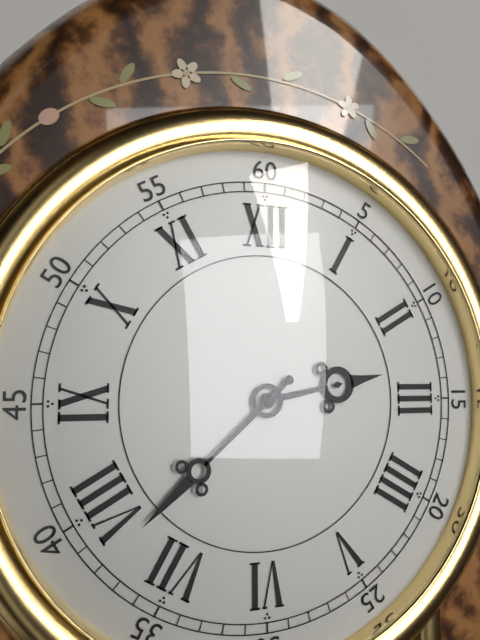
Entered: **2:38**
